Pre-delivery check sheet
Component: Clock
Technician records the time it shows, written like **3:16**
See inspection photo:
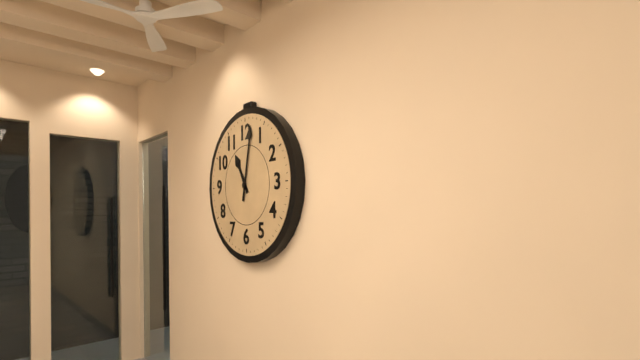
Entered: **11:02**
